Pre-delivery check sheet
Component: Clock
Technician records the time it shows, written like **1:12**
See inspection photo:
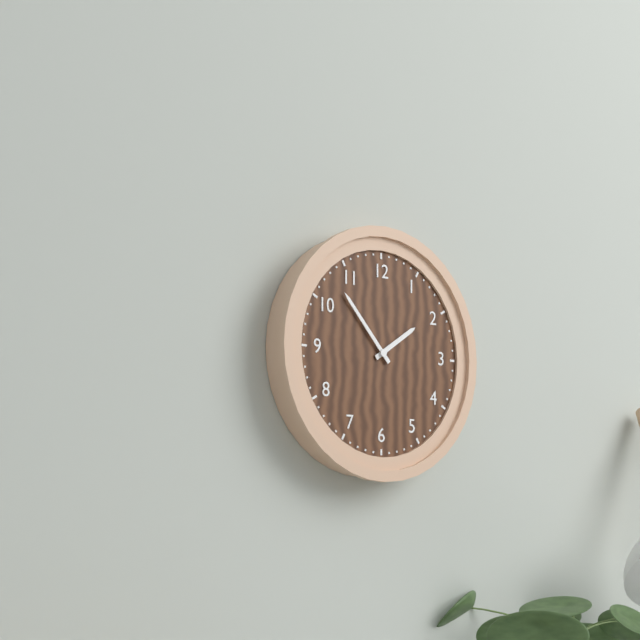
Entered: **1:53**
